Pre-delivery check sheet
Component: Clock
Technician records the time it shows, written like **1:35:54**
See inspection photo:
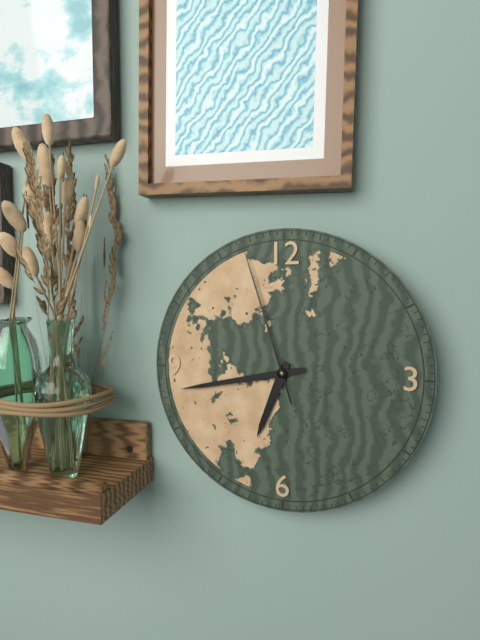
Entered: **6:43:57**
